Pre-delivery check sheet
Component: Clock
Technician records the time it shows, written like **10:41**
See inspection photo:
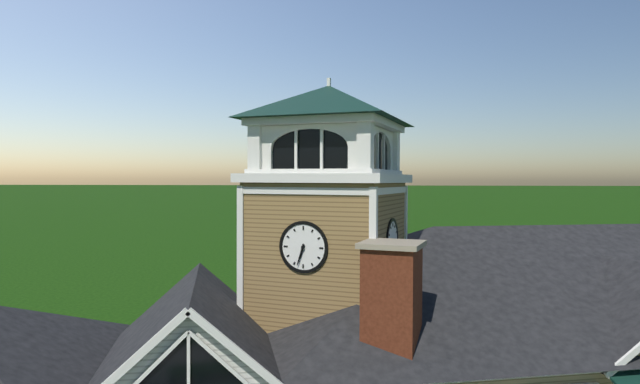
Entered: **6:33**
